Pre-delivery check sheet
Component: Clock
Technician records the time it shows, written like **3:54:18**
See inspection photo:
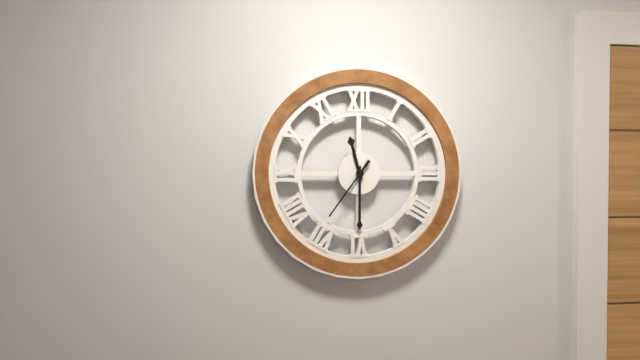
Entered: **11:30:36**
